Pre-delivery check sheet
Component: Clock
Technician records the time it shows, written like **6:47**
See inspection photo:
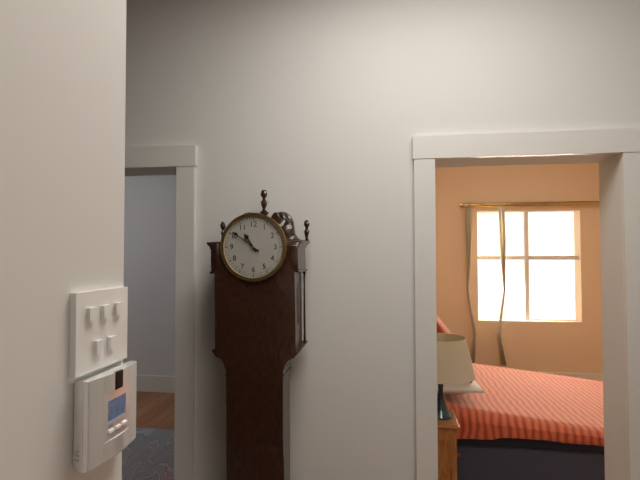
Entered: **10:51**
